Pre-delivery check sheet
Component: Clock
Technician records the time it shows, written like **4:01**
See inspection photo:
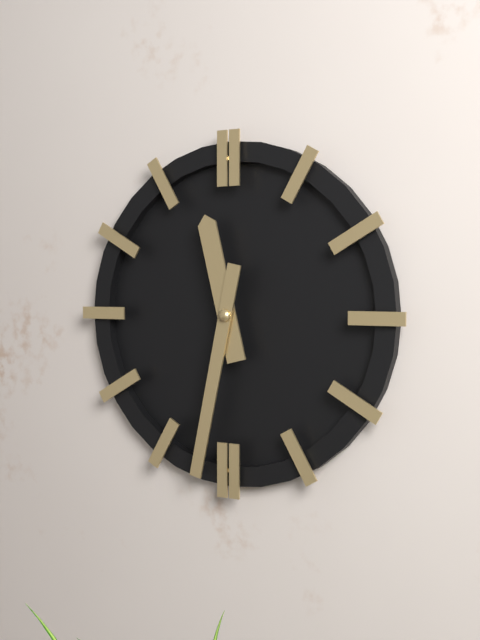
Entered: **11:32**
